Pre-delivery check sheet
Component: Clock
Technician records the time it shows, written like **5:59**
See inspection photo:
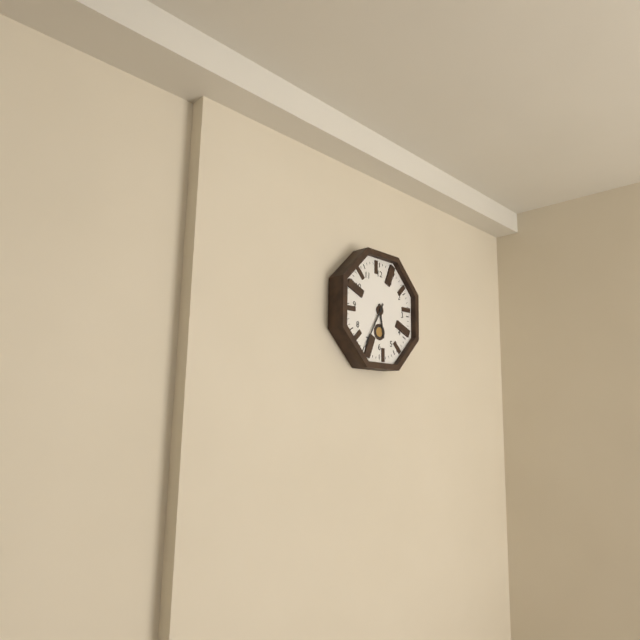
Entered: **5:35**
